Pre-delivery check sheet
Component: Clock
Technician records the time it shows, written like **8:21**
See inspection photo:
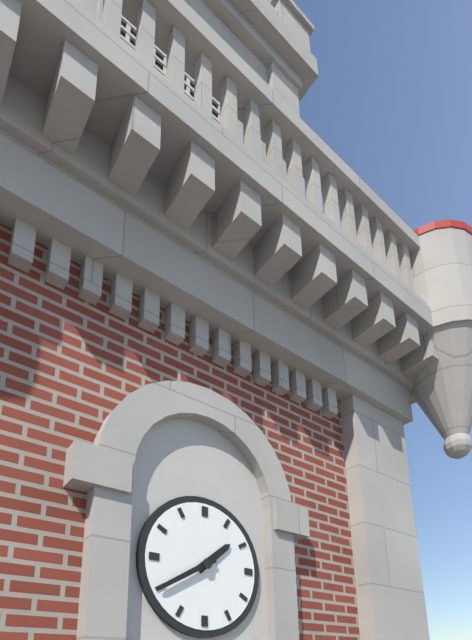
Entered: **1:40**
